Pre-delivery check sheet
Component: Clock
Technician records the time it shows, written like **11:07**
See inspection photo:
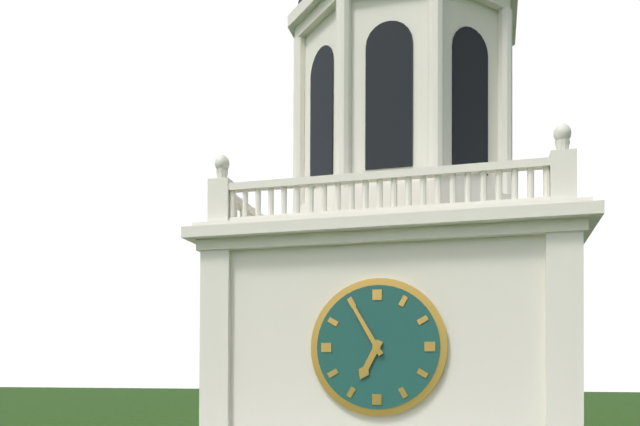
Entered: **6:55**
